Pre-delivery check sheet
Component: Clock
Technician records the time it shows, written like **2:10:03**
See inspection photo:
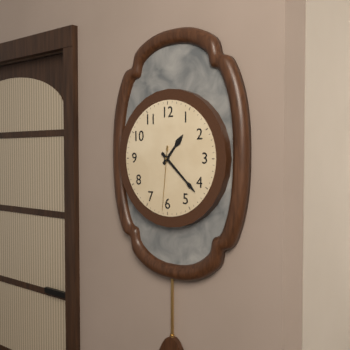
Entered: **1:22:31**
